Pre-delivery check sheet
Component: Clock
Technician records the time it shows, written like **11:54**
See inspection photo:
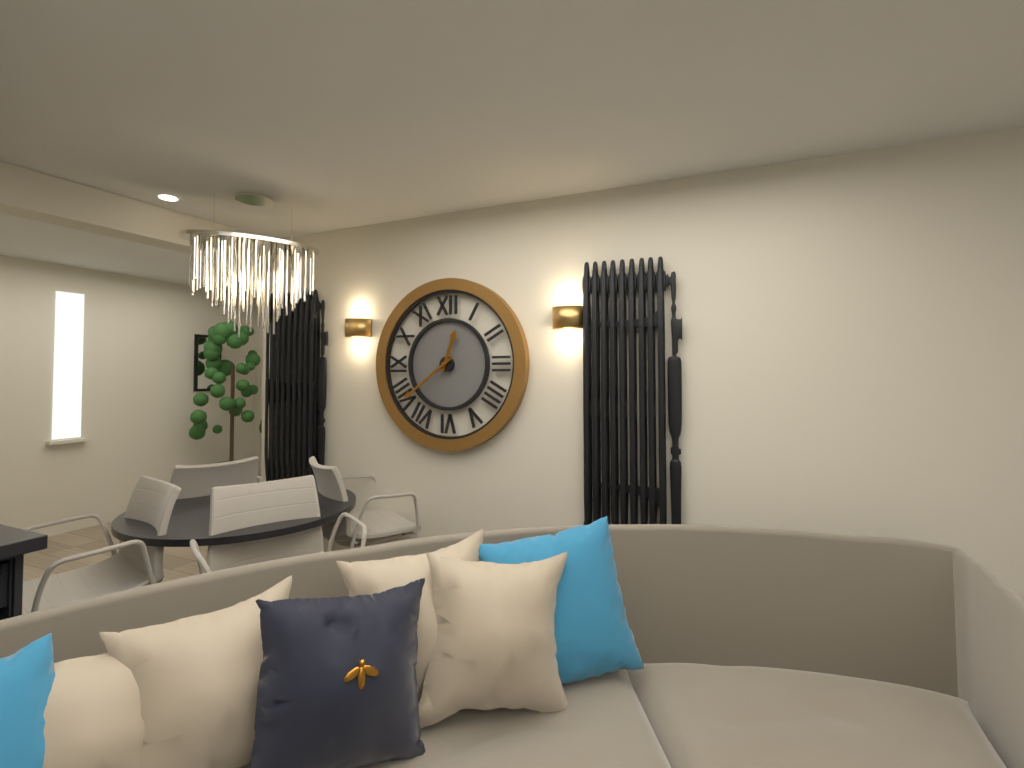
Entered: **12:39**
